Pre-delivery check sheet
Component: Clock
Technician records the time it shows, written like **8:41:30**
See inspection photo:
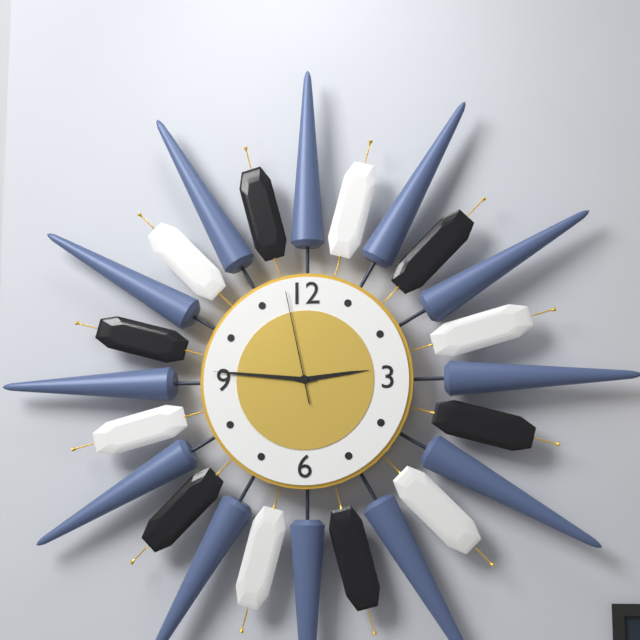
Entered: **2:46:58**
